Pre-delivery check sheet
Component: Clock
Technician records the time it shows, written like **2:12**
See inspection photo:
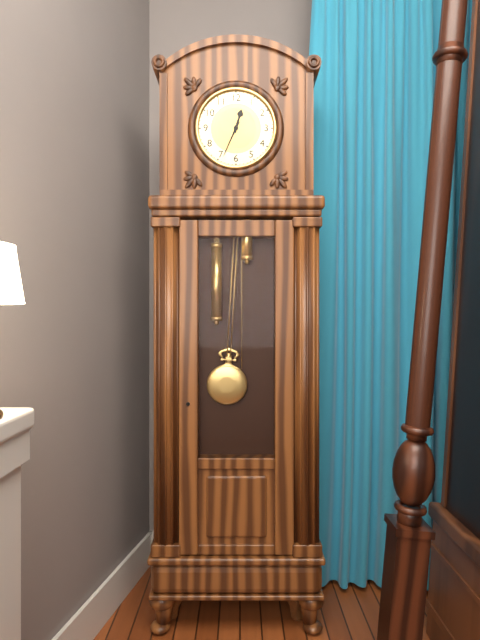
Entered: **12:34**
